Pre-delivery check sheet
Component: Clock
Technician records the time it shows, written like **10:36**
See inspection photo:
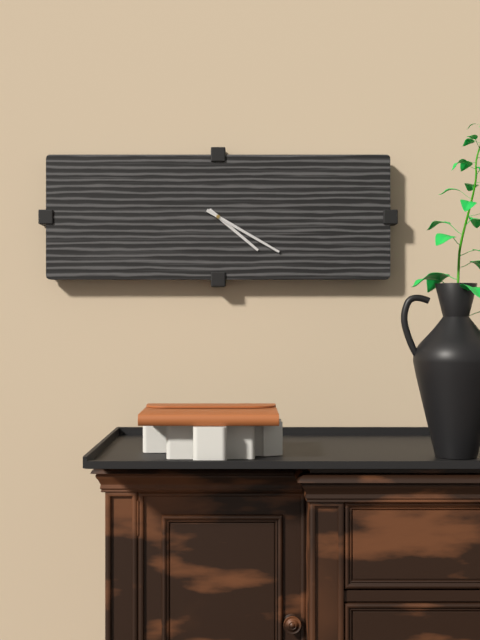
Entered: **4:20**
